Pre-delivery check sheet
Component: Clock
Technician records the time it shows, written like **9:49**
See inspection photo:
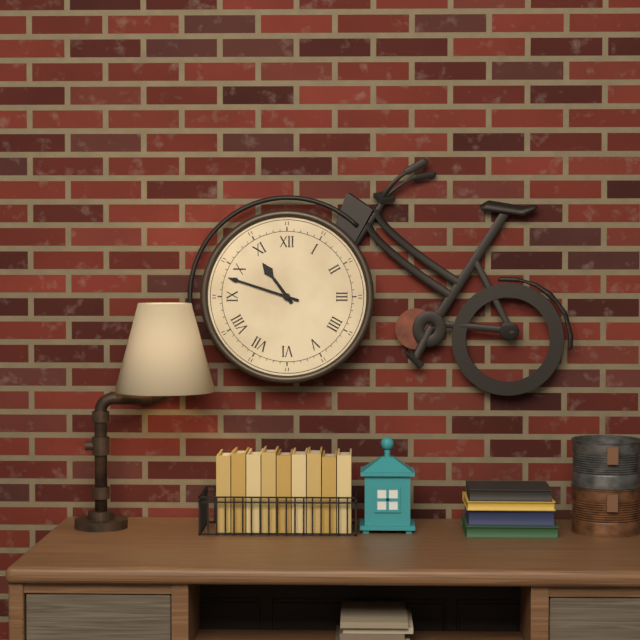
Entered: **10:48**
